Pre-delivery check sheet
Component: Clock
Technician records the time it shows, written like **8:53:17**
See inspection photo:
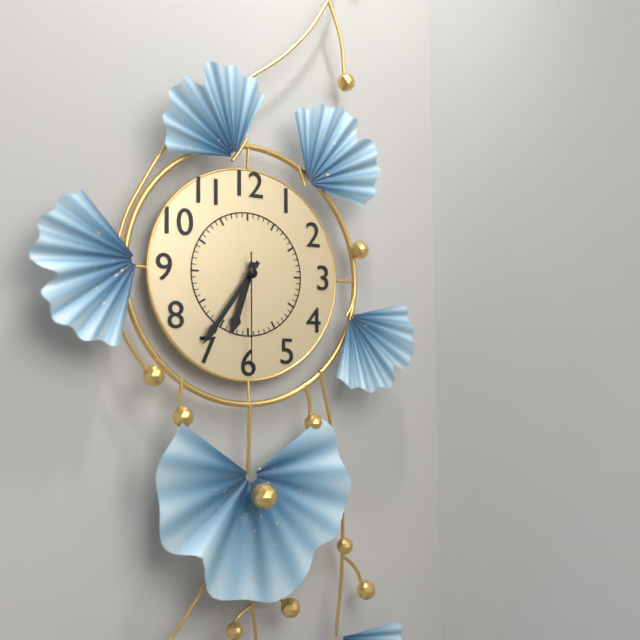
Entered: **6:36:30**
